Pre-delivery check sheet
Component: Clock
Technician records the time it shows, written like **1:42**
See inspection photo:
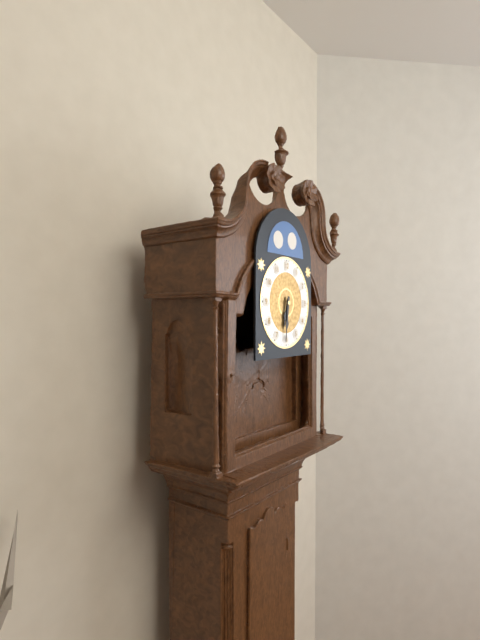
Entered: **6:31**
